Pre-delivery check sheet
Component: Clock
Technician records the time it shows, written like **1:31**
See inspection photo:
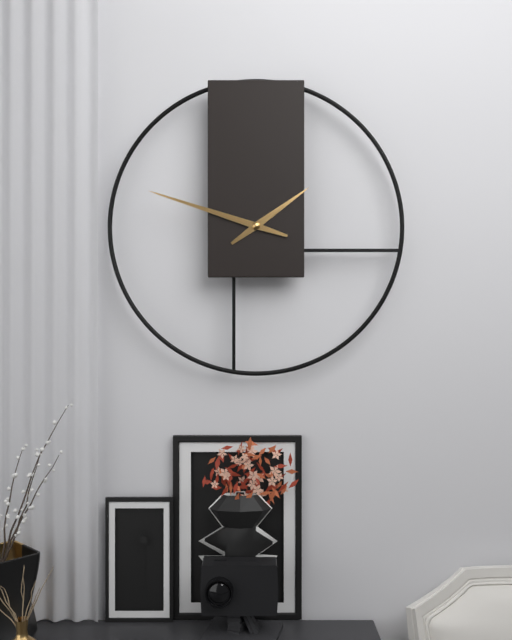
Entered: **1:48**
